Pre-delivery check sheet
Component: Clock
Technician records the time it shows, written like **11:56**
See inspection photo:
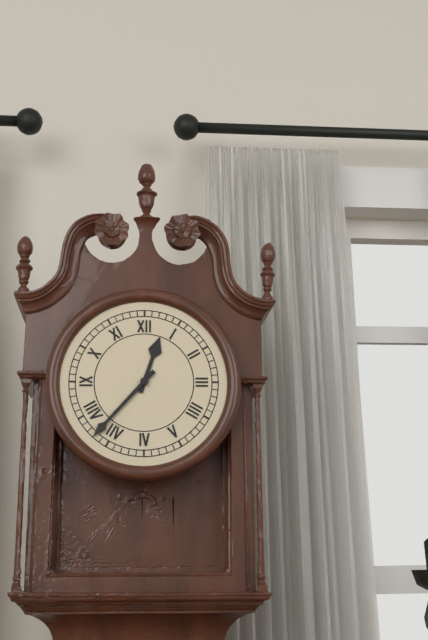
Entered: **12:37**
